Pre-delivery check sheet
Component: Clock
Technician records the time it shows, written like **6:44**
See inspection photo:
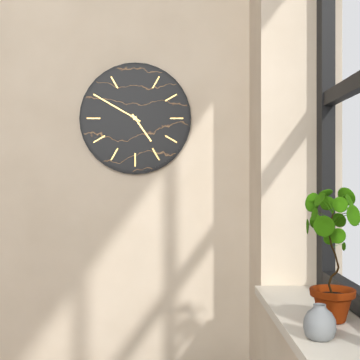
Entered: **4:50**
